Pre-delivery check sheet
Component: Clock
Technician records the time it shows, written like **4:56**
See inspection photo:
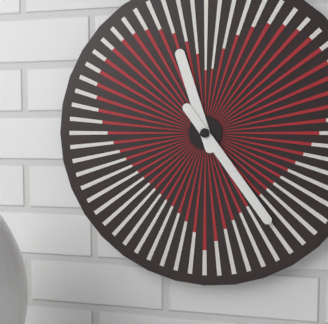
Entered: **11:24**
